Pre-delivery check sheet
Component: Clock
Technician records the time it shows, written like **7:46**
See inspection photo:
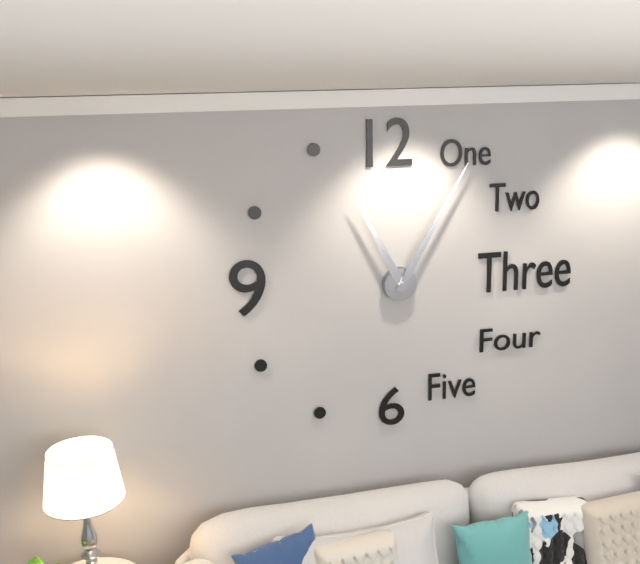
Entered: **11:05**
